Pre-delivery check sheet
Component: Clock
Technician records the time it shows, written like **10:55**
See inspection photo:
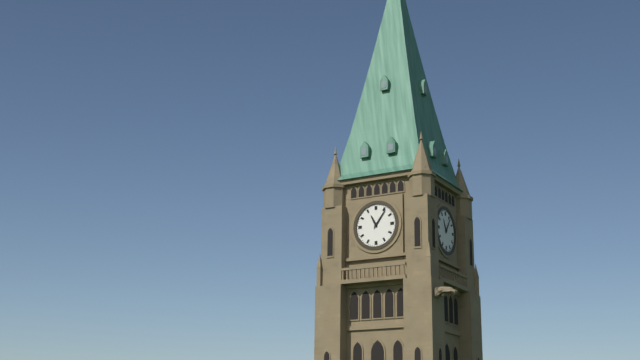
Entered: **11:06**
